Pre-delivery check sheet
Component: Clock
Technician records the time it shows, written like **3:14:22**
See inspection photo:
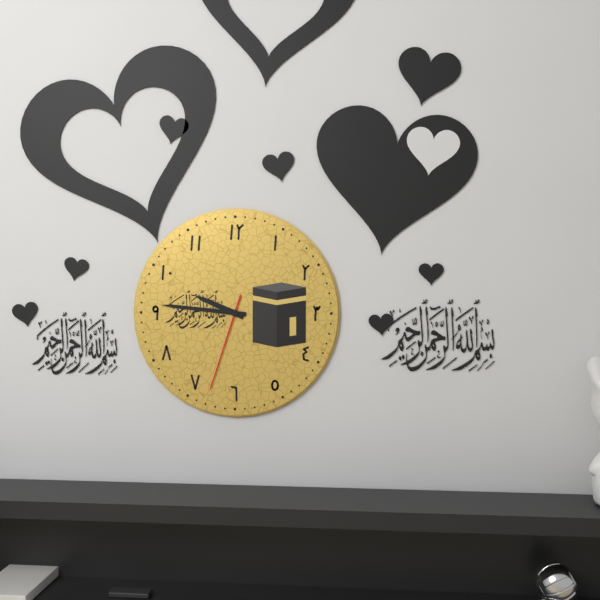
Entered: **9:46:33**
